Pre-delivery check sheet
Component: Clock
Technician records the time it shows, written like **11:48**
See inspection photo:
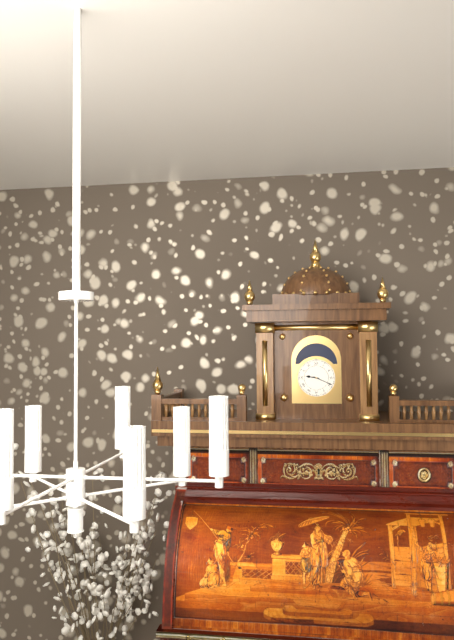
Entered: **9:19**
